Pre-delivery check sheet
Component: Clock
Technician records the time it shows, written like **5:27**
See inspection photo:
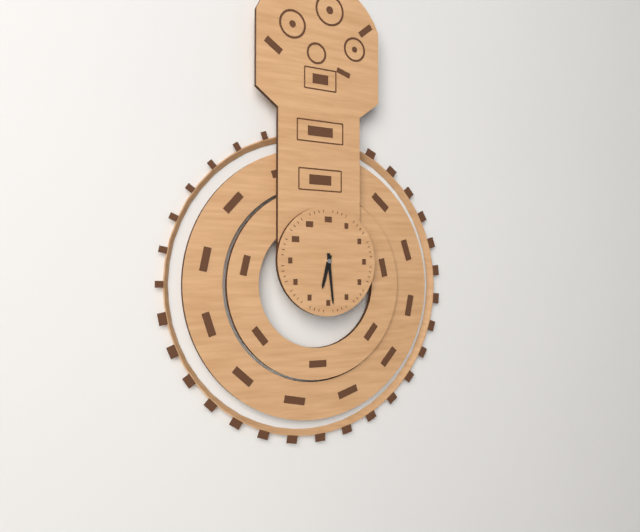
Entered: **6:29**
